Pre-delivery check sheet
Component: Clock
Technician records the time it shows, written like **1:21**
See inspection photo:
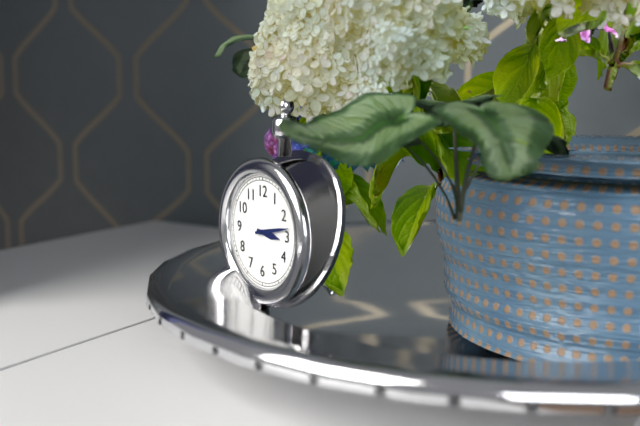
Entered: **3:13**
